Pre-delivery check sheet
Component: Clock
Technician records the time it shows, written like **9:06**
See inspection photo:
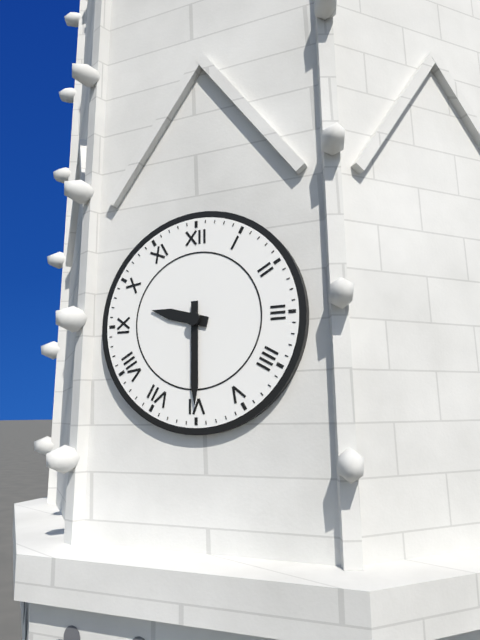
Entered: **9:30**
